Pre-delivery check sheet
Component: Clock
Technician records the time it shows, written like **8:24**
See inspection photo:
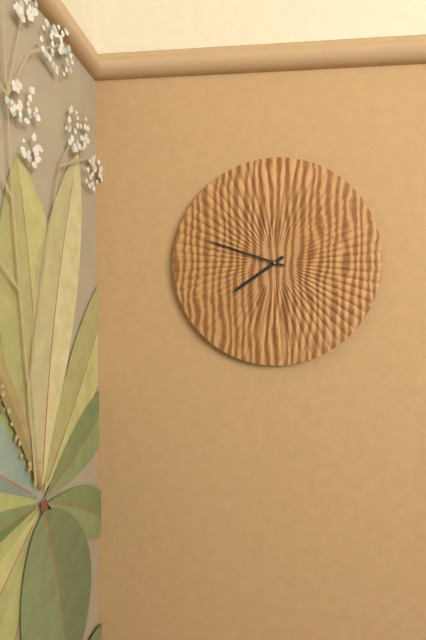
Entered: **7:48**
